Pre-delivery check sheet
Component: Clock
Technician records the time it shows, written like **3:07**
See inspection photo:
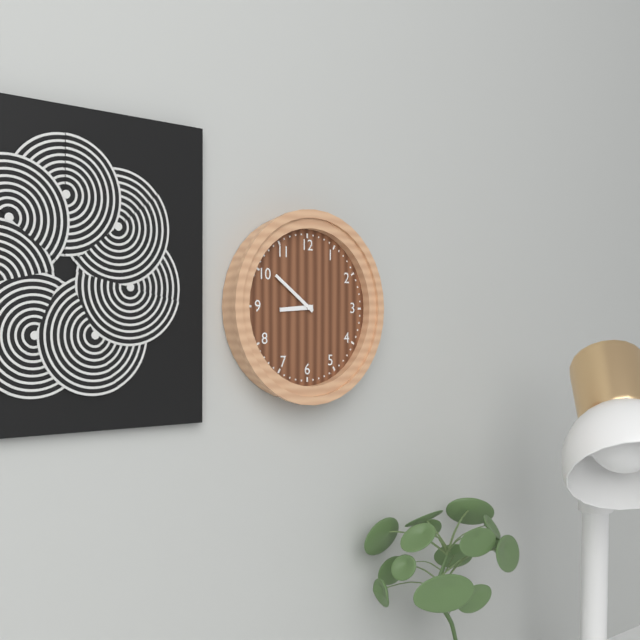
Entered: **8:51**
